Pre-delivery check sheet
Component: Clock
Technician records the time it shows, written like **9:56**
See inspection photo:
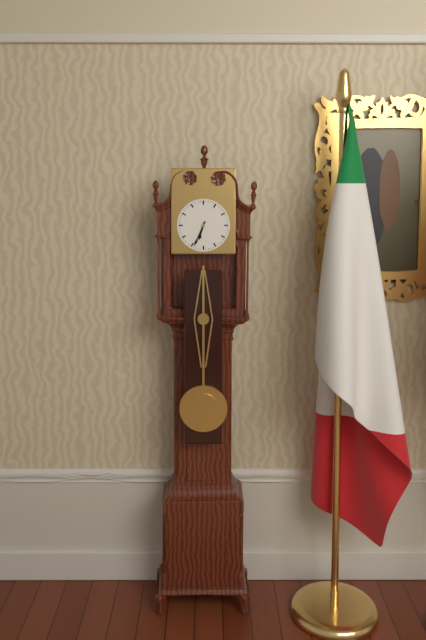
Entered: **6:34**
